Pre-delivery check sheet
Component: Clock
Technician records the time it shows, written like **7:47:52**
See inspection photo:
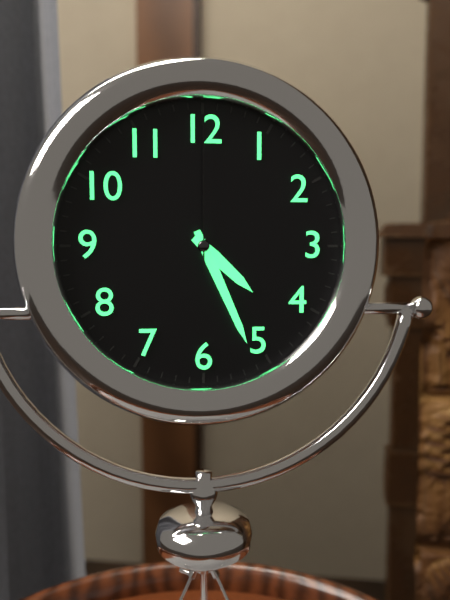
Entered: **4:26:00**
